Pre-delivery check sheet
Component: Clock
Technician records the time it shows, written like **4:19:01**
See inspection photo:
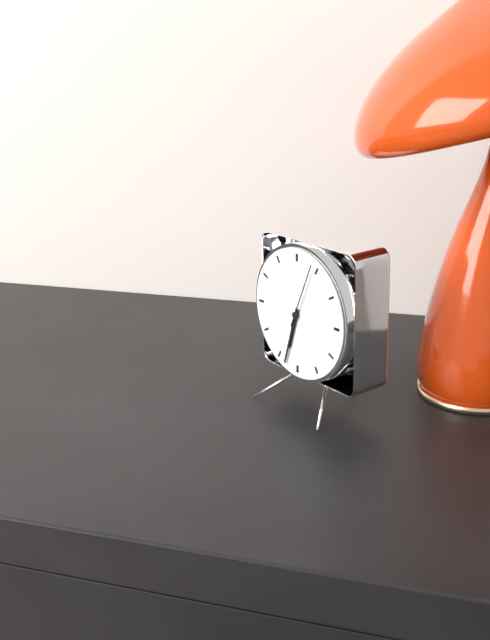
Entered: **6:33:04**
